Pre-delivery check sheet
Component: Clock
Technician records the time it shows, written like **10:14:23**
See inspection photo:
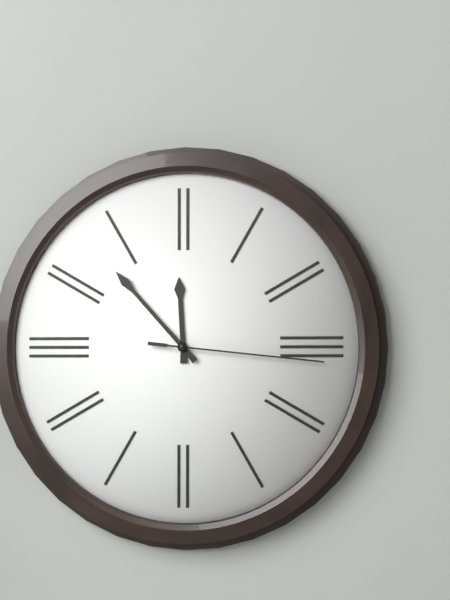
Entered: **11:53:16**
